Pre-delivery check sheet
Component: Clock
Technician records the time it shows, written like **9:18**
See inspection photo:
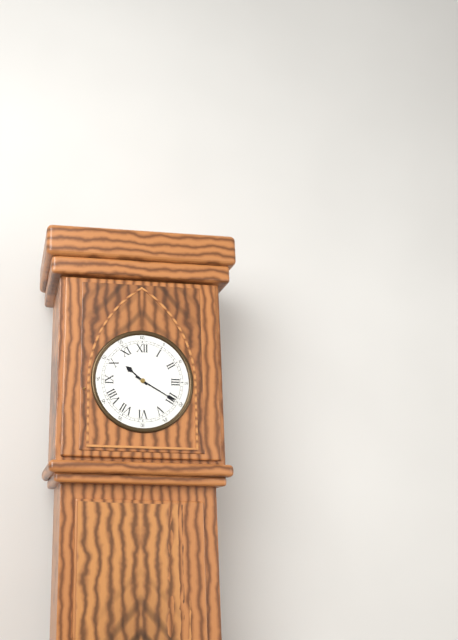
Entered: **10:20**
